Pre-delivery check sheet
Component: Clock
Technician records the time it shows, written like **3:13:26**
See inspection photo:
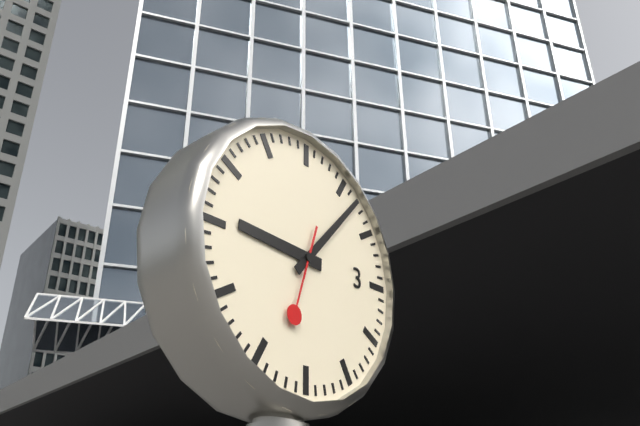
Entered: **9:07:33**
